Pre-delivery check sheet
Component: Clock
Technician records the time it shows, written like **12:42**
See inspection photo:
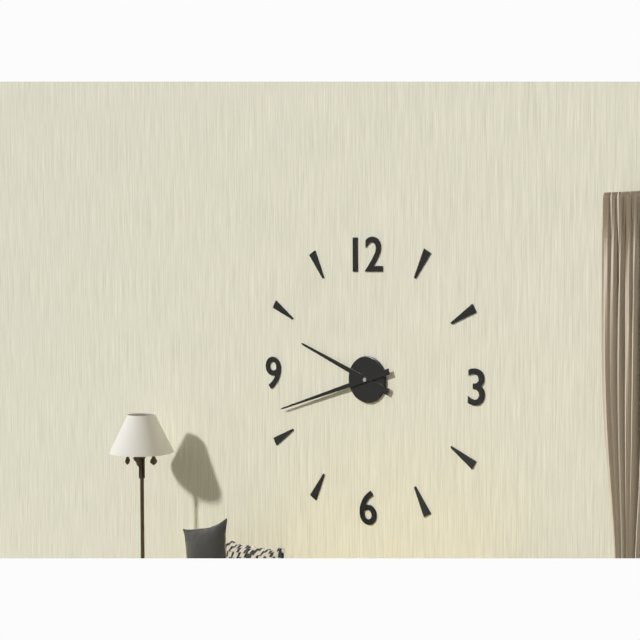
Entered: **9:42**
